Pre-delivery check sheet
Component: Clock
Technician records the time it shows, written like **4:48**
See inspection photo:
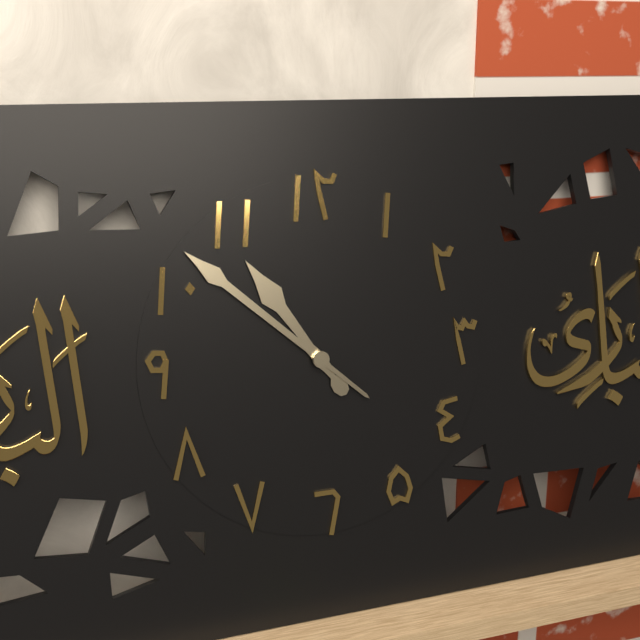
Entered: **10:52**
